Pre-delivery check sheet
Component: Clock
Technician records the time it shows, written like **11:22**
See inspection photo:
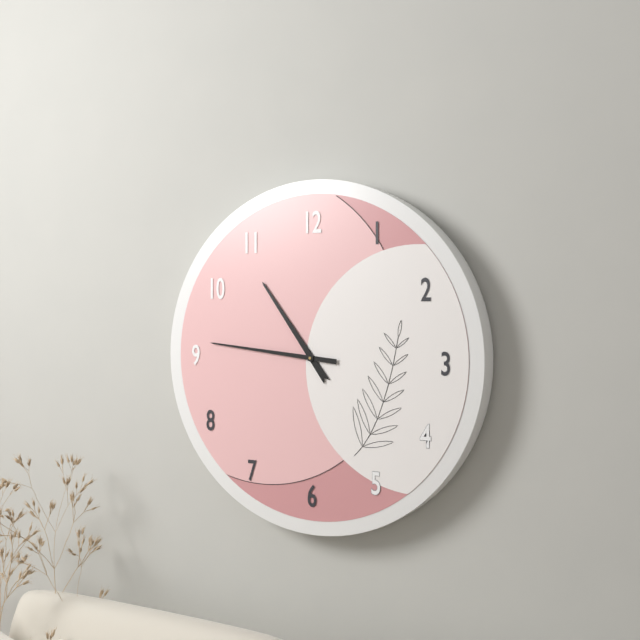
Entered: **10:46**
